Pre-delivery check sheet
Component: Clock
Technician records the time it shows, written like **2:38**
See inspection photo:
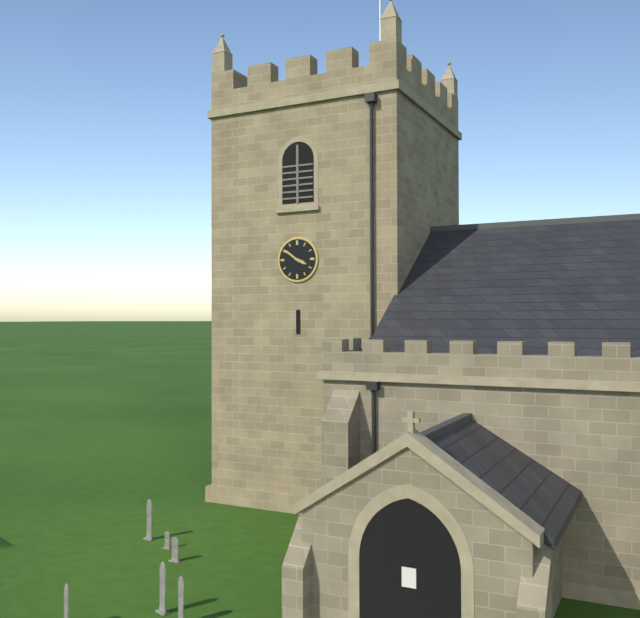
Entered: **3:51**
